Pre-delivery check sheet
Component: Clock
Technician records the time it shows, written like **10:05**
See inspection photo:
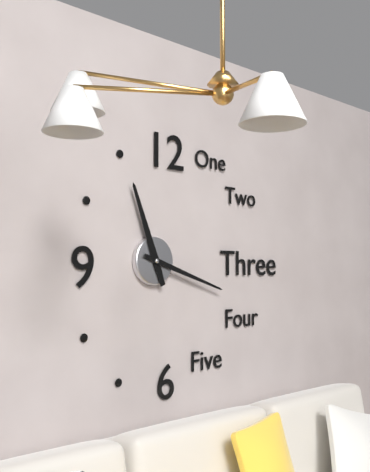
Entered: **11:18**
